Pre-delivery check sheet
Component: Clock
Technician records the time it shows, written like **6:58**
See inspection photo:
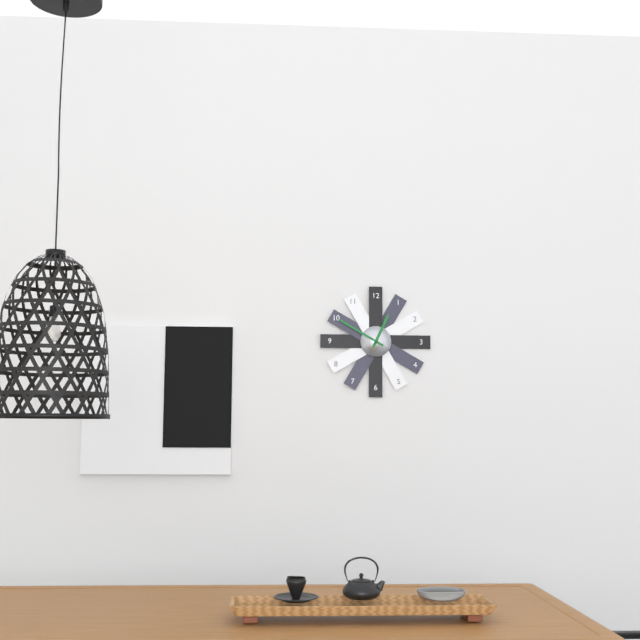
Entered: **12:50**
